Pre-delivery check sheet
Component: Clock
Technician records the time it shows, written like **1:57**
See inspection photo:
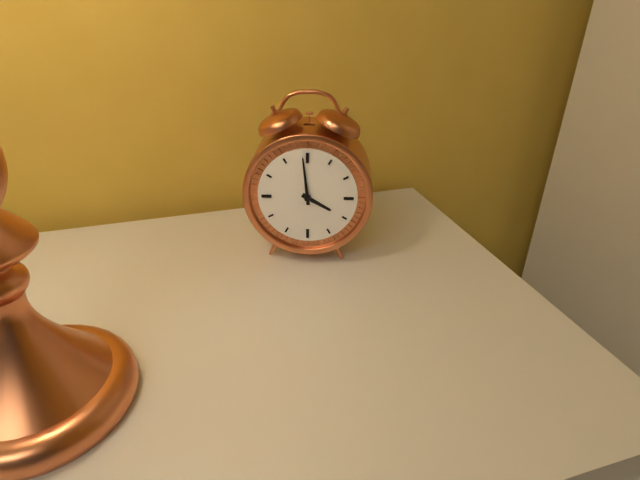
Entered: **3:59**
